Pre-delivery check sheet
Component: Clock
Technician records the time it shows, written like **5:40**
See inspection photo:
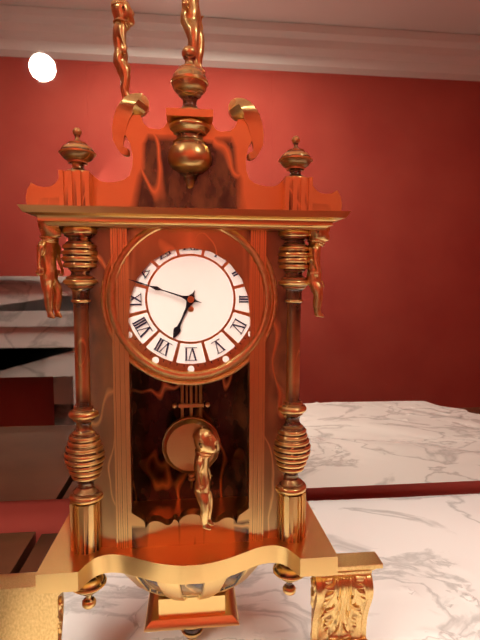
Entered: **6:48**
